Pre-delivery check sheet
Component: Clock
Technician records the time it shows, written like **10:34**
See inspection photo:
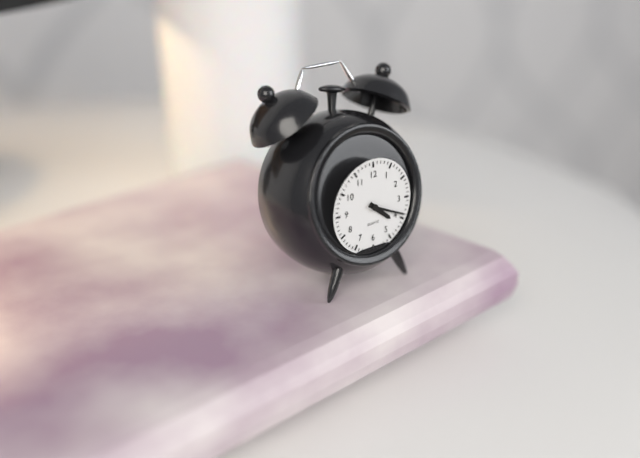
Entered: **4:19**
